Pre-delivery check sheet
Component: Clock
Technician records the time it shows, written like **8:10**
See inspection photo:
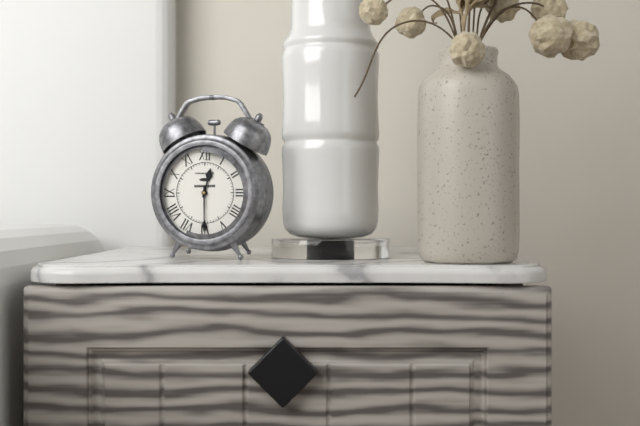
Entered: **12:30**
